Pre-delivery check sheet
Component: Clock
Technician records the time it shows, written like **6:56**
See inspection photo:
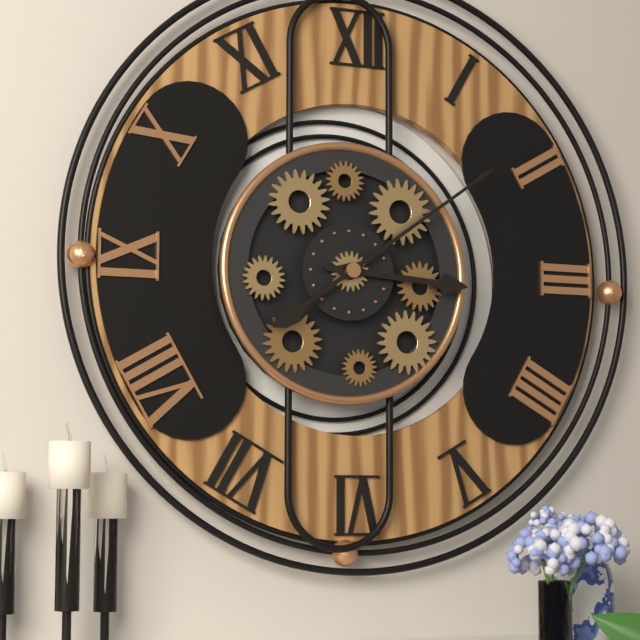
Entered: **3:09**
